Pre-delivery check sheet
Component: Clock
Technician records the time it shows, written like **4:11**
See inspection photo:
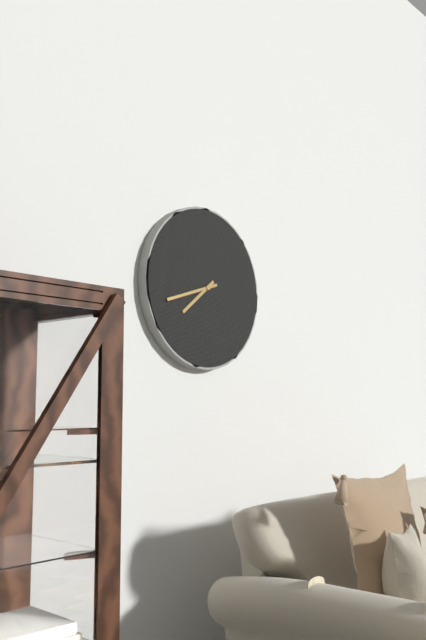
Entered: **7:42**
